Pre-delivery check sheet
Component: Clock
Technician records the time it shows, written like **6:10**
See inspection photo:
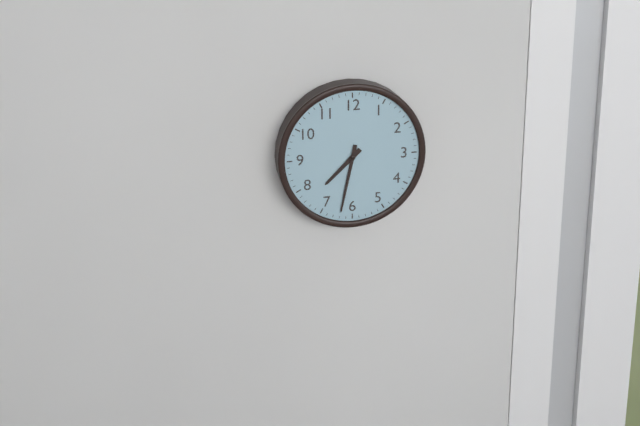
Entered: **7:32**
